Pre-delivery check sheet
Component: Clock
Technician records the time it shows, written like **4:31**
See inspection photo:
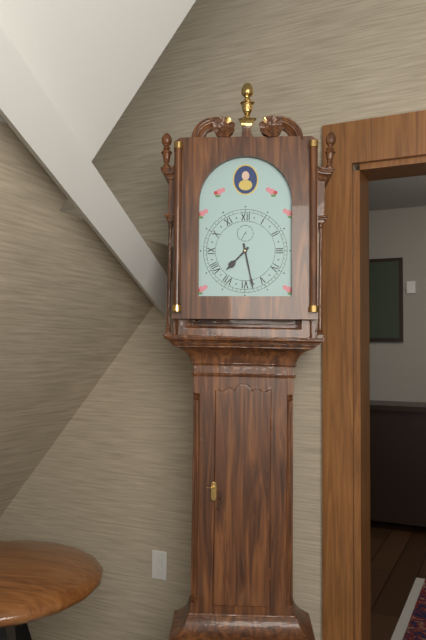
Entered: **7:28**
